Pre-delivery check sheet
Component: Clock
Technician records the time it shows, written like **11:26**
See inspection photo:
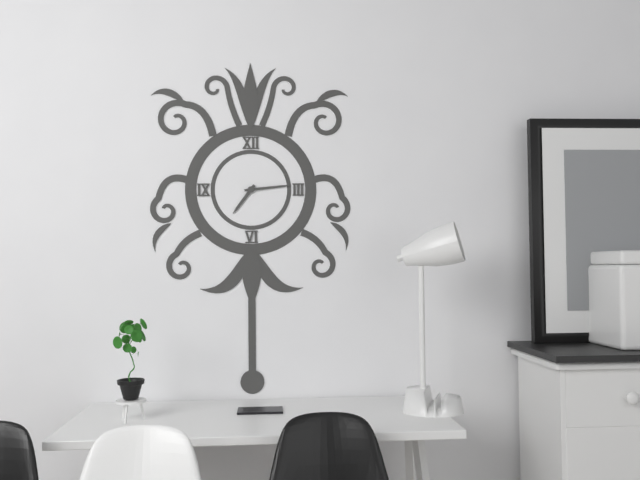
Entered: **7:14**
